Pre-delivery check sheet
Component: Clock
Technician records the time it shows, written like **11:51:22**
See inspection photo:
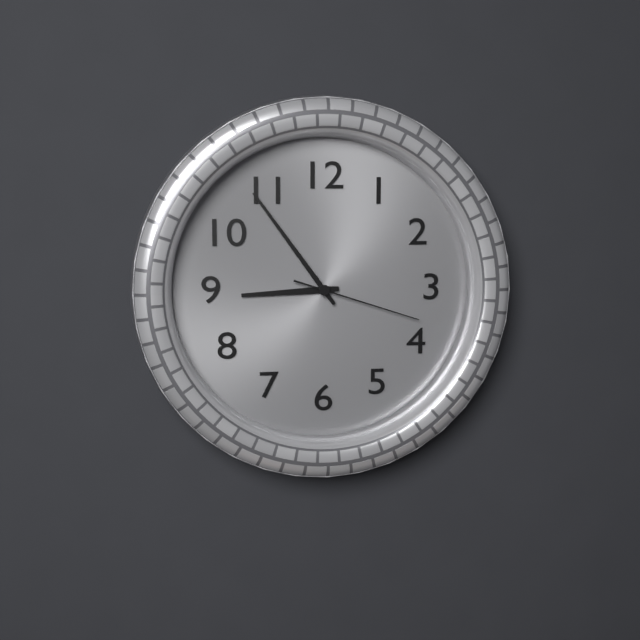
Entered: **8:54:18**
